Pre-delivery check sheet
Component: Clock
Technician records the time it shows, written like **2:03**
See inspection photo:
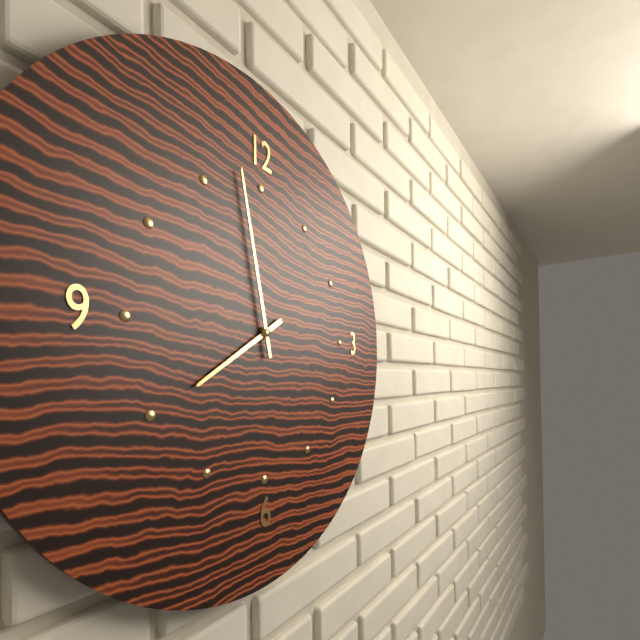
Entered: **7:58**
